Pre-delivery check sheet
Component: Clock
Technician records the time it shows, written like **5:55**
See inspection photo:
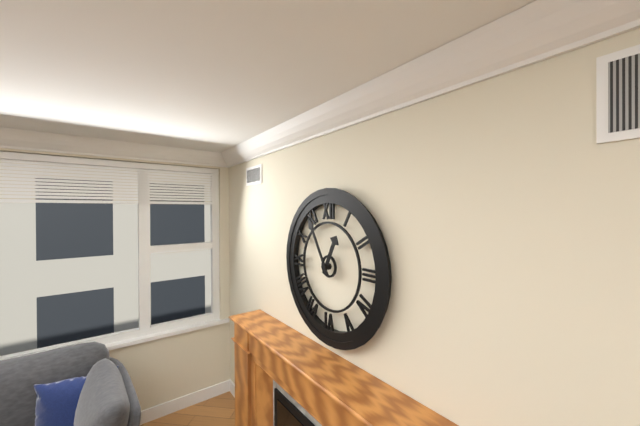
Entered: **12:55**
